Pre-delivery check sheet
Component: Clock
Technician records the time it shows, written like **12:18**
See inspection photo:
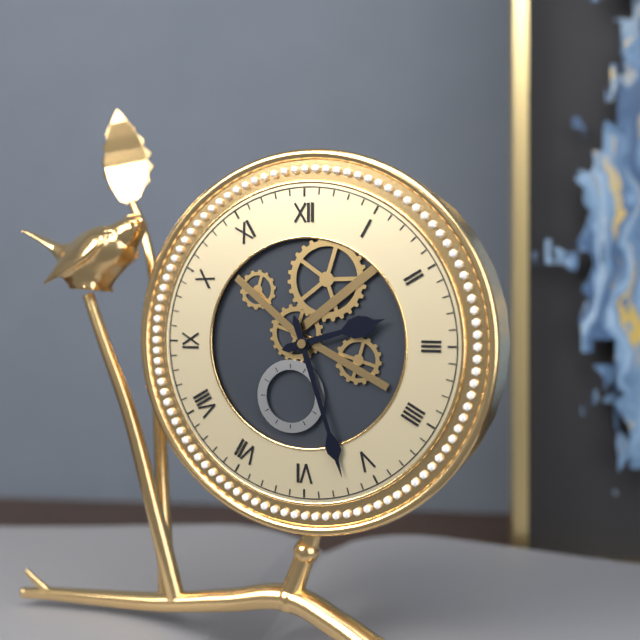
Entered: **2:27**
